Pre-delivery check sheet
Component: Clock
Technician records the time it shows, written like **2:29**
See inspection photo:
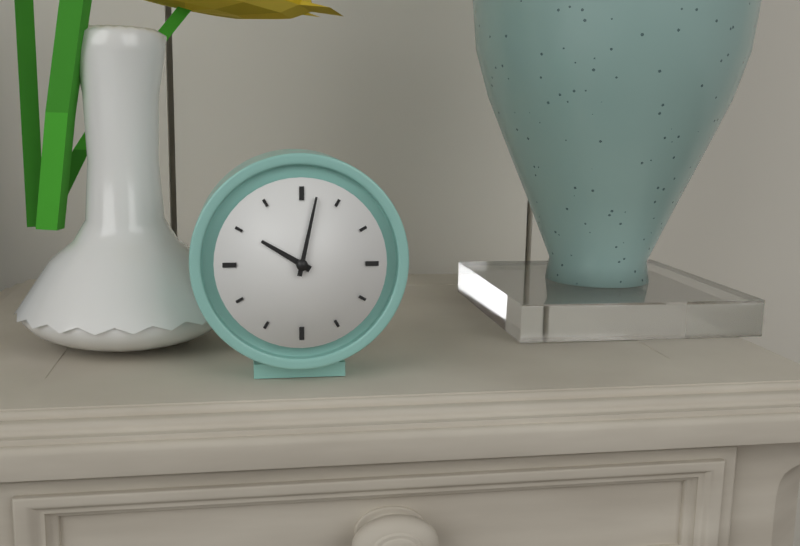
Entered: **10:02**
